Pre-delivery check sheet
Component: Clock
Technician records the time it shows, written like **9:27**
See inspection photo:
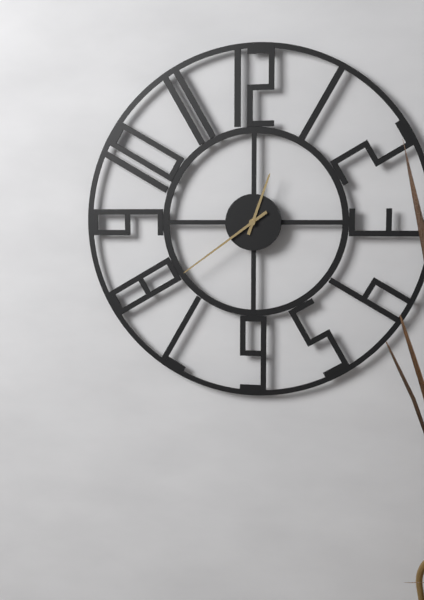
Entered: **12:39**
